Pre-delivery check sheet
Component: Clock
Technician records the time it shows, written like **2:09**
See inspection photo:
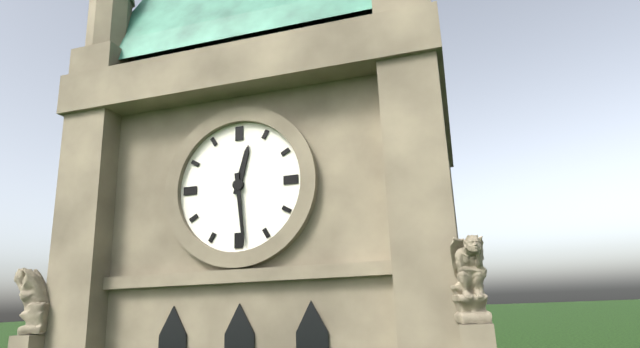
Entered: **12:29**
